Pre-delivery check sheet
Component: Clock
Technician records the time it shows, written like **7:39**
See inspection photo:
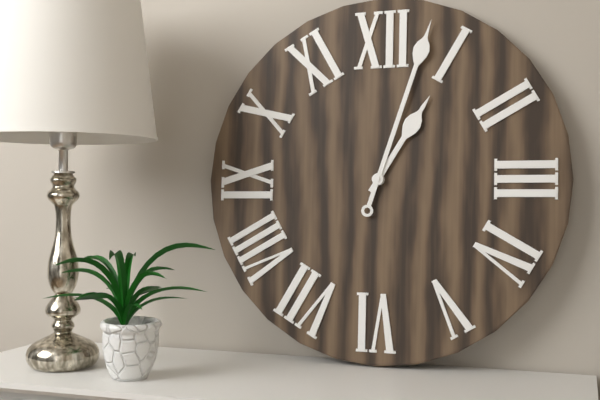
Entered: **1:03**
